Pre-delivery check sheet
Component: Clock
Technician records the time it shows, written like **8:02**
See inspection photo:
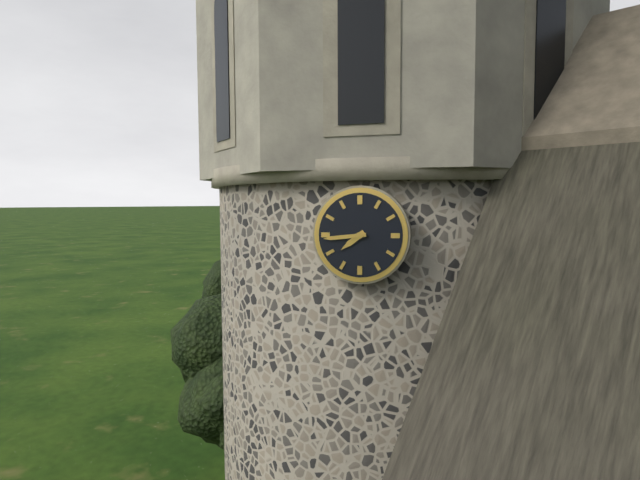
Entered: **7:44**
